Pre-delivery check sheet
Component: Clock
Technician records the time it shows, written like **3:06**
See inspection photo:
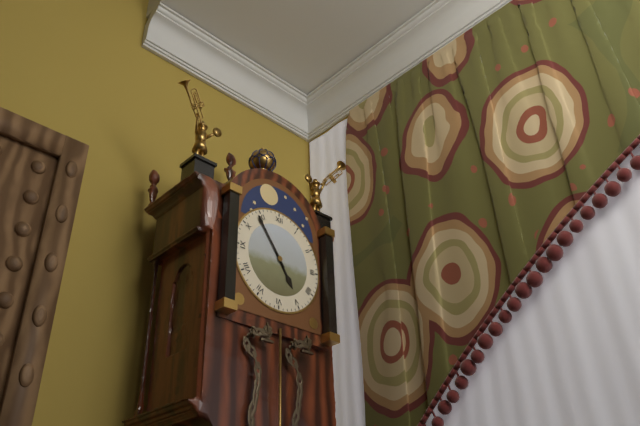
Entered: **4:54**
